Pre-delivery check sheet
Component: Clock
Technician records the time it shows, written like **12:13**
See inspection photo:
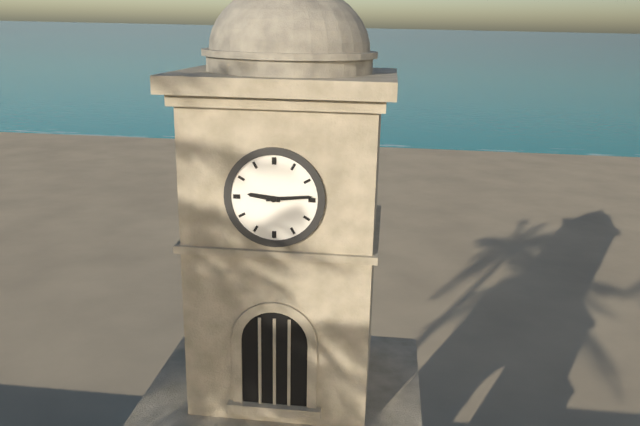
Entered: **9:14**
